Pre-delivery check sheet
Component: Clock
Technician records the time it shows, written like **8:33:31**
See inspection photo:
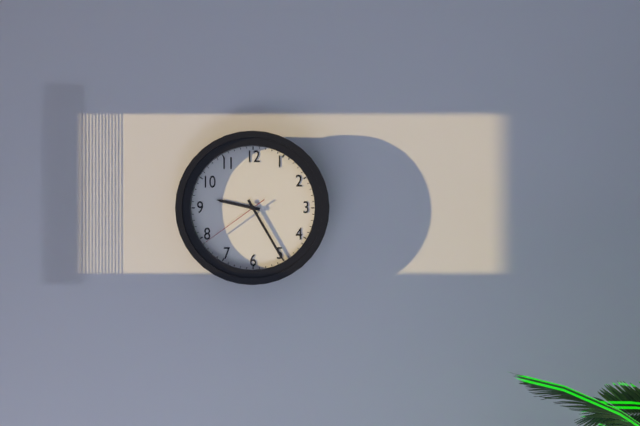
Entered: **9:25:39**
